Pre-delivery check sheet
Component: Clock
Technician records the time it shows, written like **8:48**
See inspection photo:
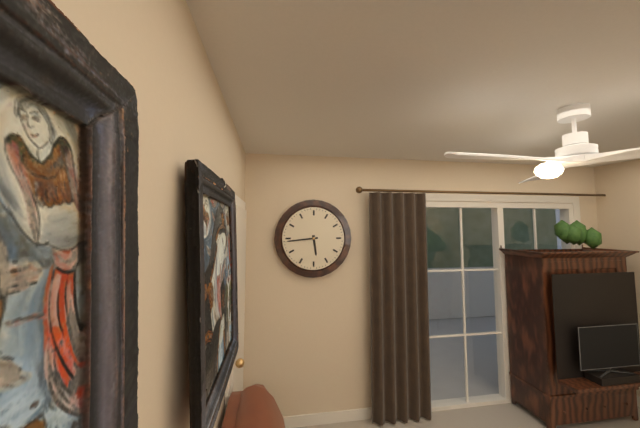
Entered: **5:44**
